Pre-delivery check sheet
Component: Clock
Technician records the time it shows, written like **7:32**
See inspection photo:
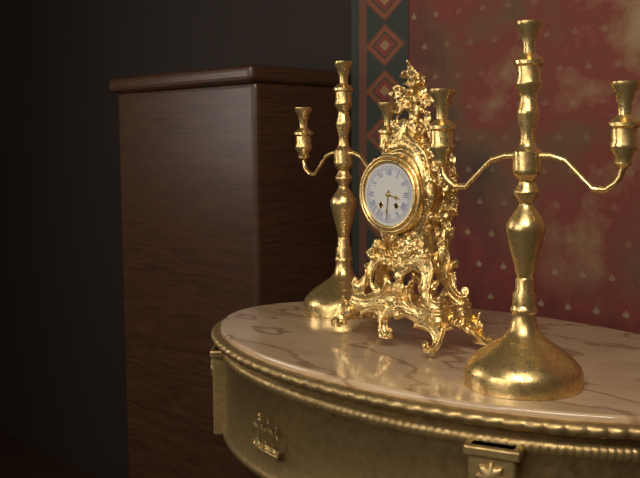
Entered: **3:31**
